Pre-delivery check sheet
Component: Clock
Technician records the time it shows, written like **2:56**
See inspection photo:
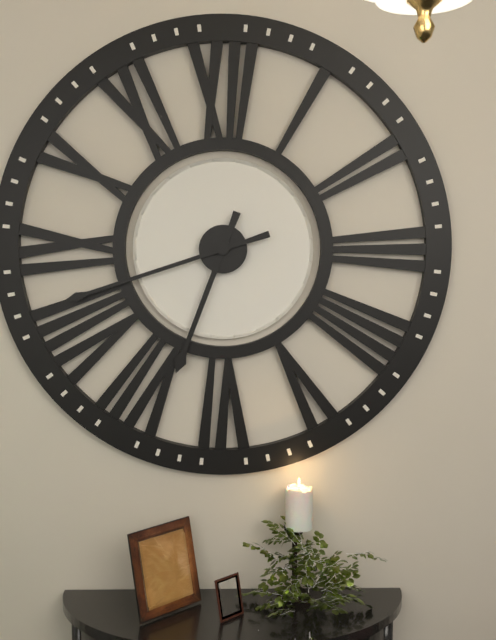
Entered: **6:42**
